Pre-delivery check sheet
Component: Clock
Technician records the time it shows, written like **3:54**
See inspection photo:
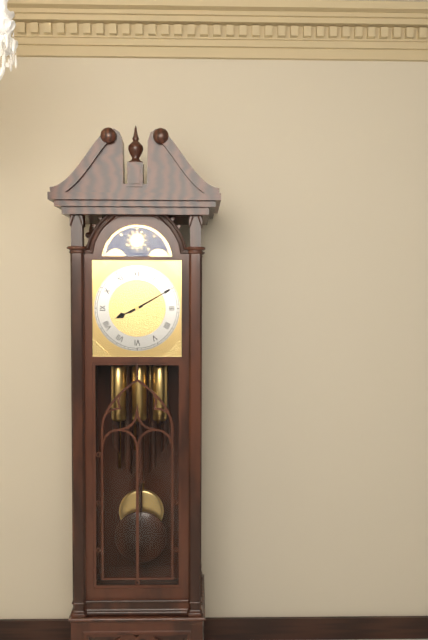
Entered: **8:10**
